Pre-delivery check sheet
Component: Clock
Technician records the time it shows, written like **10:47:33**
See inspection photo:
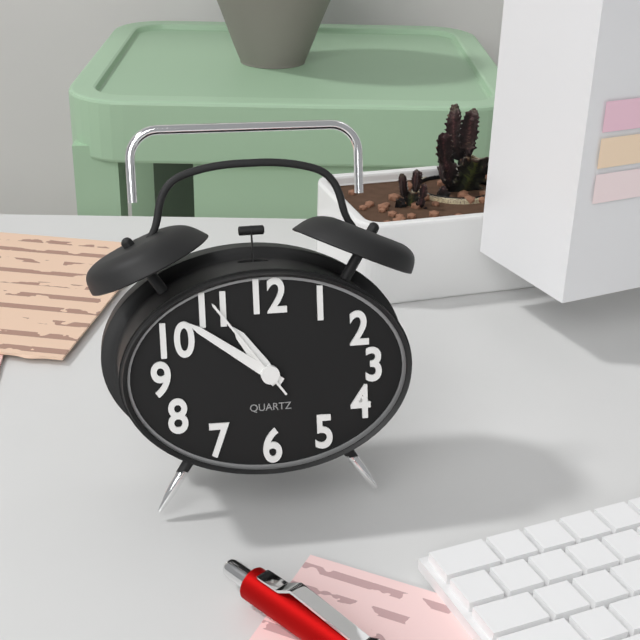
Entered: **10:51:54**
